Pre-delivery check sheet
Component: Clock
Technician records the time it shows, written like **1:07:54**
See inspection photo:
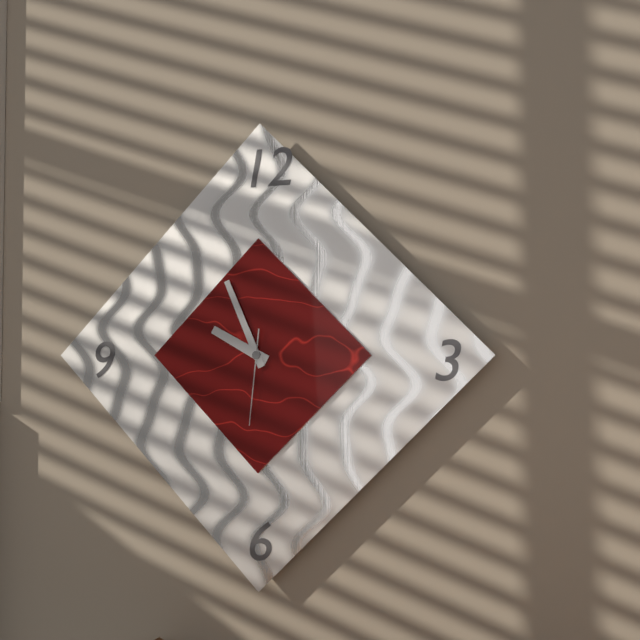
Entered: **9:56:31**
